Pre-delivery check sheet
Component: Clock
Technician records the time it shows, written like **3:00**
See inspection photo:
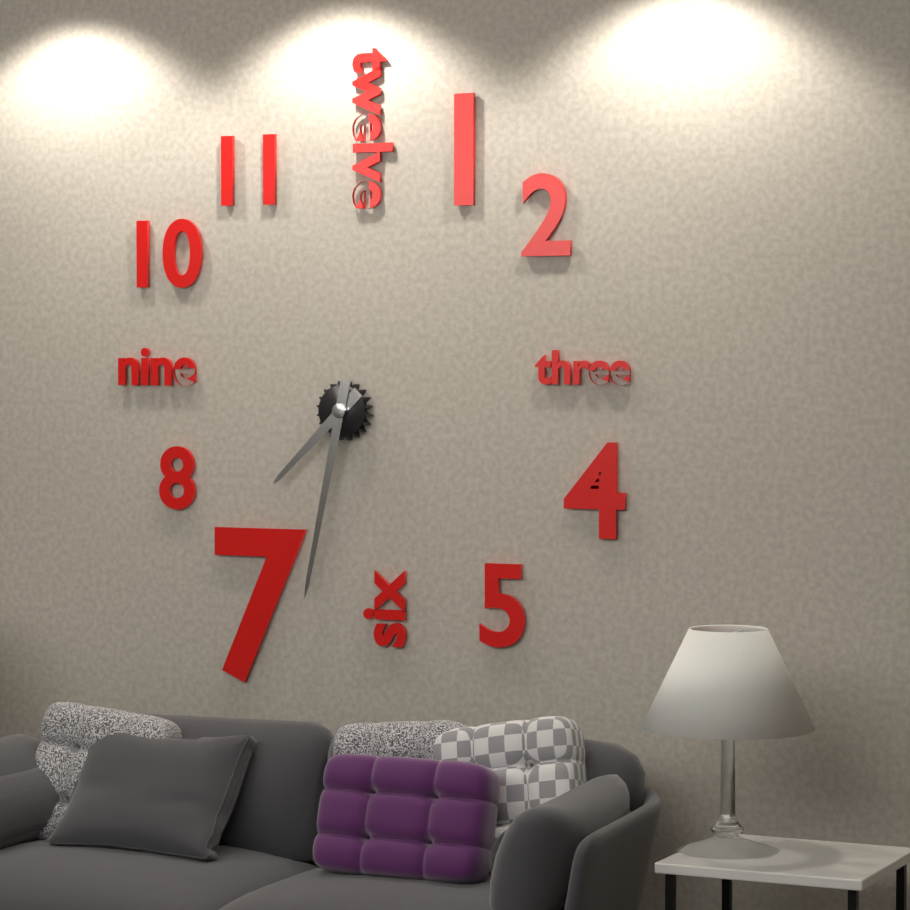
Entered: **7:32**
